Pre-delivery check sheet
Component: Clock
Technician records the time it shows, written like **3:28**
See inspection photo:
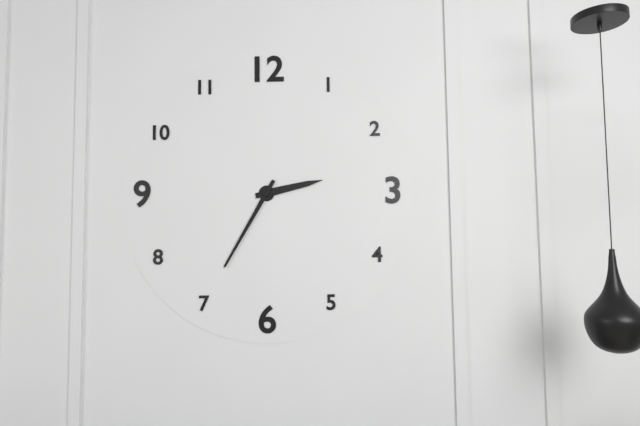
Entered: **2:35**
